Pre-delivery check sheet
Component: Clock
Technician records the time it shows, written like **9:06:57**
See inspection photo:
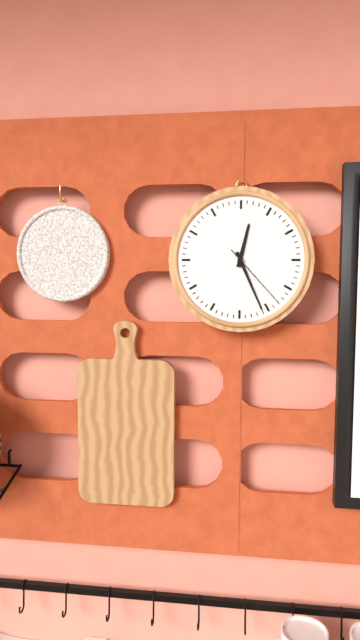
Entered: **12:26:23**
